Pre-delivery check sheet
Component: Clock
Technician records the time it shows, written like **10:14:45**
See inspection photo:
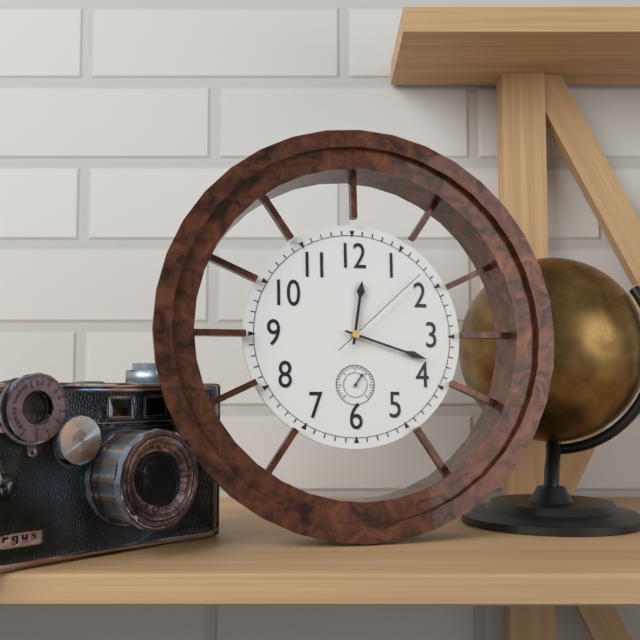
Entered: **12:18:08**
